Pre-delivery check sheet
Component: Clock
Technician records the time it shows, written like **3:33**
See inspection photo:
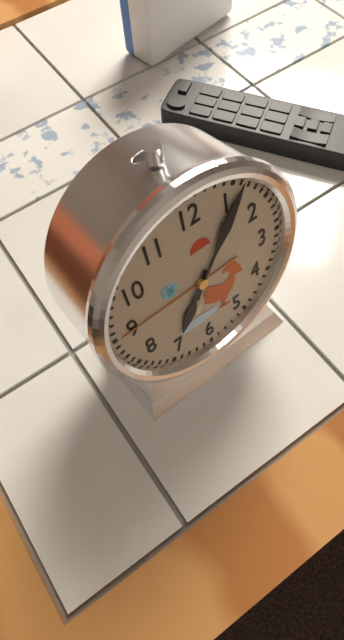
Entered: **7:06**
